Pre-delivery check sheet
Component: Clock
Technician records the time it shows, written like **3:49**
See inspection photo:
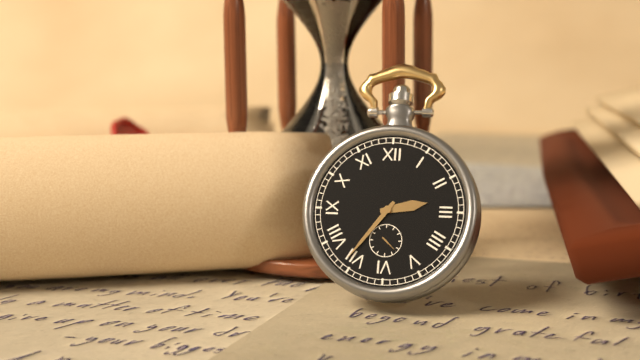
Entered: **2:36**
